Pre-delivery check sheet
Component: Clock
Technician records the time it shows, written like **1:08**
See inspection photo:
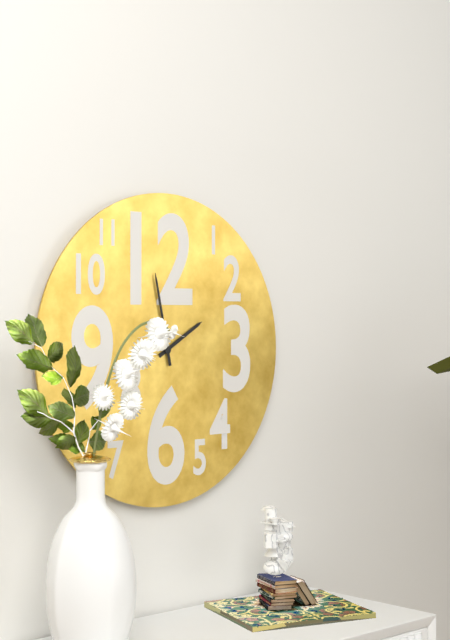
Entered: **1:58**
